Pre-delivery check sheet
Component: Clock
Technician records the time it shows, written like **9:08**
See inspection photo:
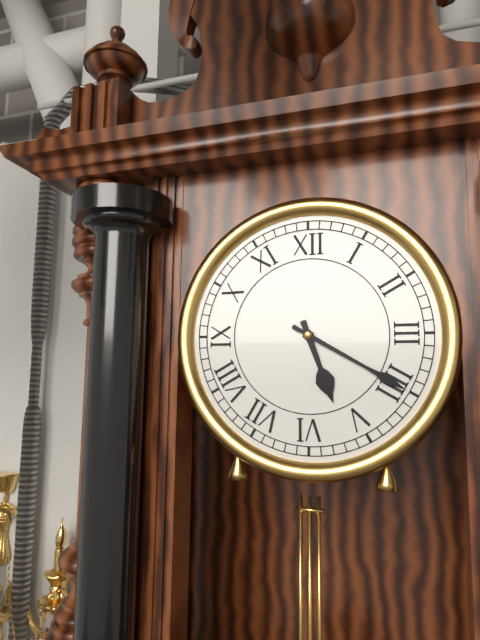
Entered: **5:20**
